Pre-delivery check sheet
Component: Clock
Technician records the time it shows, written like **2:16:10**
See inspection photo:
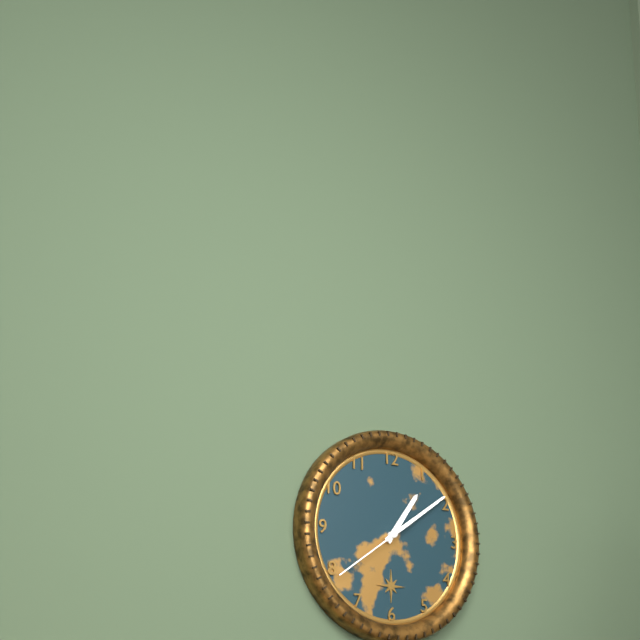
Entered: **1:09:39**
